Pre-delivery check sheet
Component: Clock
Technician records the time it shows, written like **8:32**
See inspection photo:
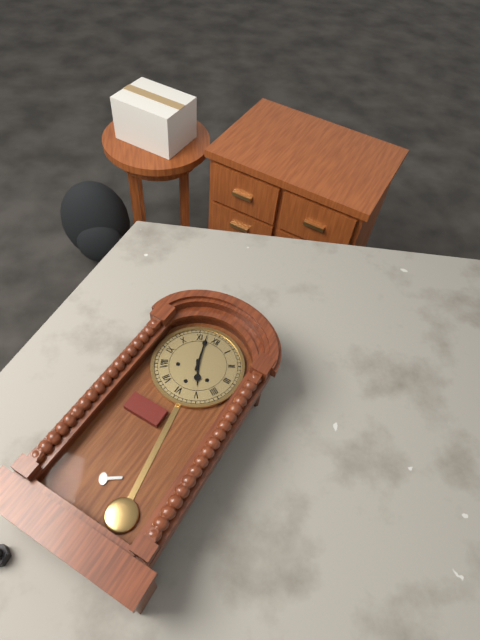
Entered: **4:57**
